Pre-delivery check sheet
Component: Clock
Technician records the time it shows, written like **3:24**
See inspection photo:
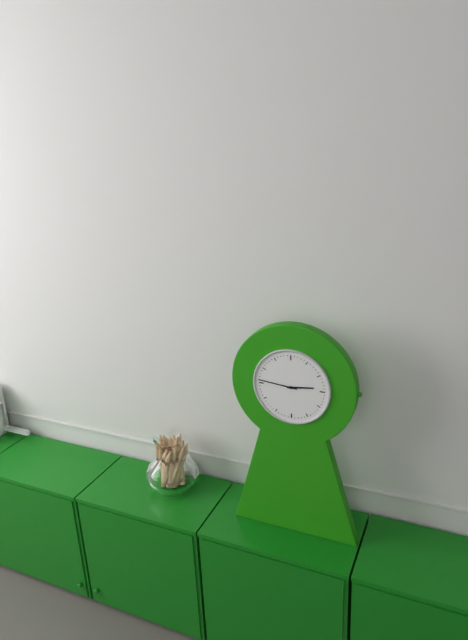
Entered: **2:46**
